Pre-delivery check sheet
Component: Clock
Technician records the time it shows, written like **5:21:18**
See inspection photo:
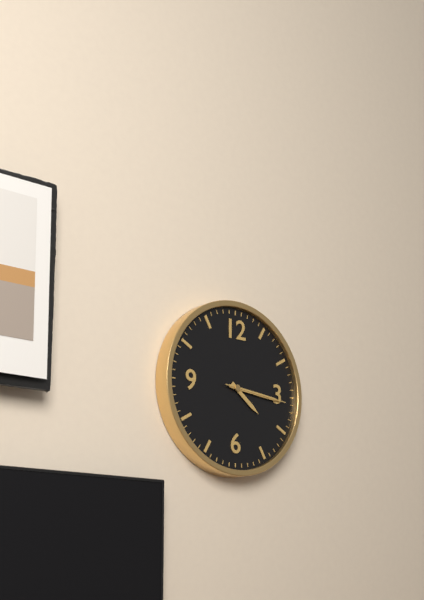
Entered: **4:16:16**
